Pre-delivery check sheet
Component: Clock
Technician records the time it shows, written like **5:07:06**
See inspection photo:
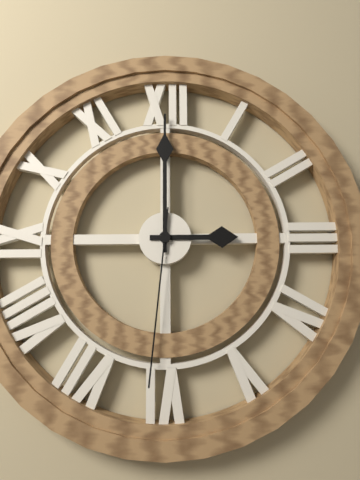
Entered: **3:00:31**
